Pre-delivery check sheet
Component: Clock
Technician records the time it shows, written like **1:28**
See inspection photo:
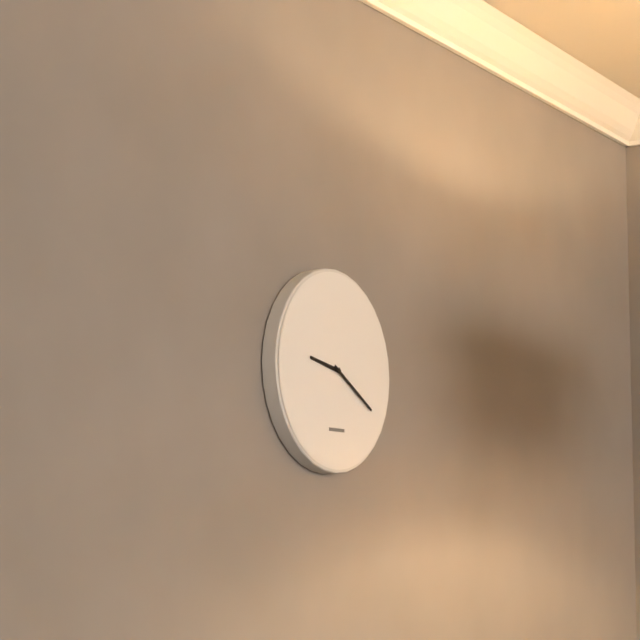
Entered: **9:20**
